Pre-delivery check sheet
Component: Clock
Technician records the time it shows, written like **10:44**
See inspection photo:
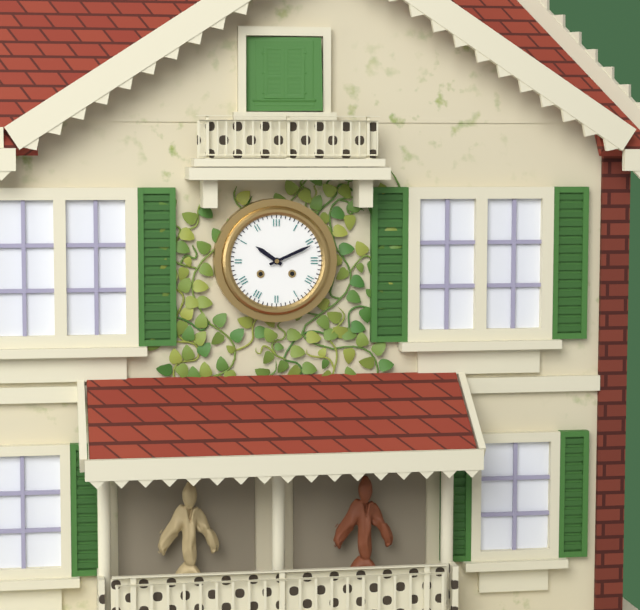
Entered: **10:11**
